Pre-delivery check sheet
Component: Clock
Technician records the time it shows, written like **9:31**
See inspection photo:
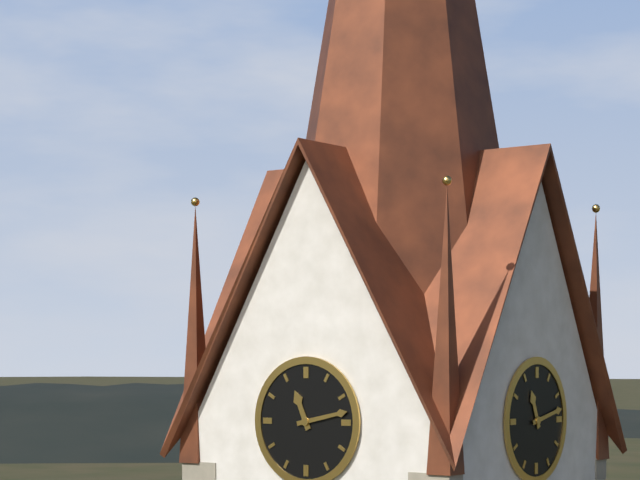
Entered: **11:13**
